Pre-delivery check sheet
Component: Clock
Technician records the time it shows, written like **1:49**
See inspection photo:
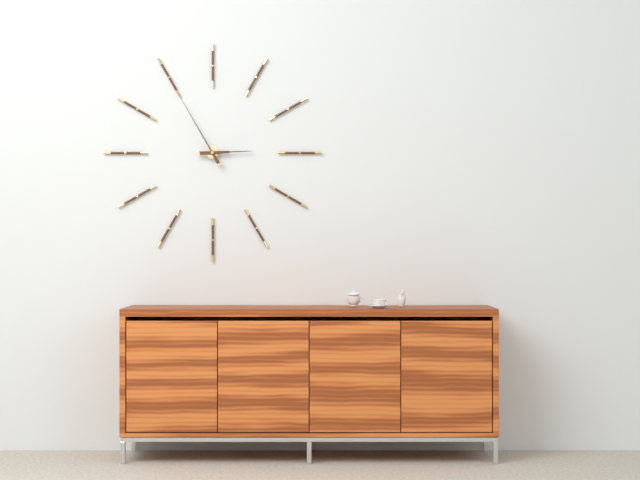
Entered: **2:55**
